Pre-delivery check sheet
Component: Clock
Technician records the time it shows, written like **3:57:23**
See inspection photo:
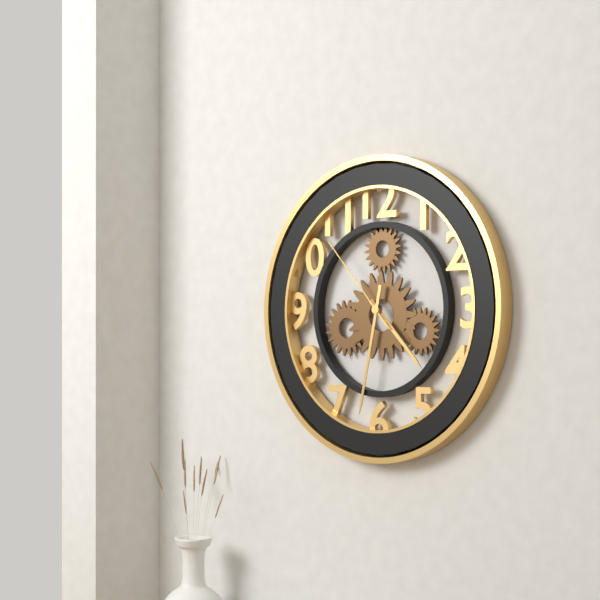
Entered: **4:32:53**
